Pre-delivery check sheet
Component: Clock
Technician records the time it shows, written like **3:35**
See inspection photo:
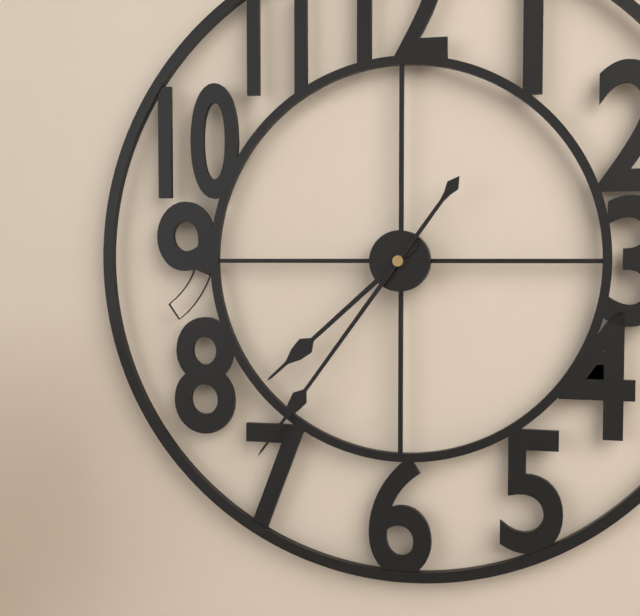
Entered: **7:36**
